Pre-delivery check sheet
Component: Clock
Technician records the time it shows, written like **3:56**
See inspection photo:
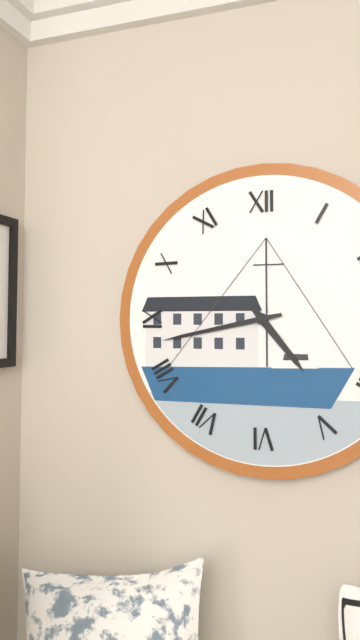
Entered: **4:43**
